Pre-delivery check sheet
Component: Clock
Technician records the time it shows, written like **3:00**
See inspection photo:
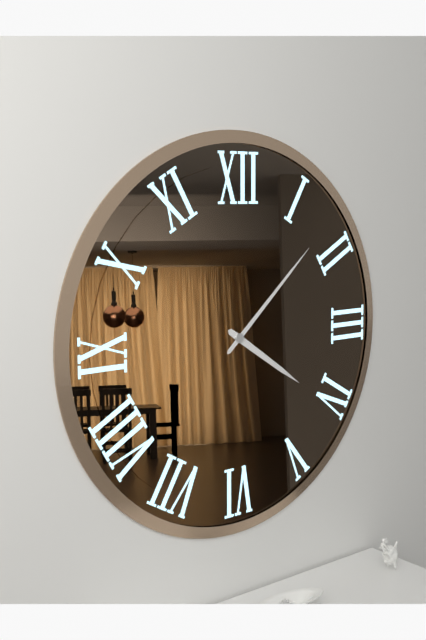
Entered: **4:08**
